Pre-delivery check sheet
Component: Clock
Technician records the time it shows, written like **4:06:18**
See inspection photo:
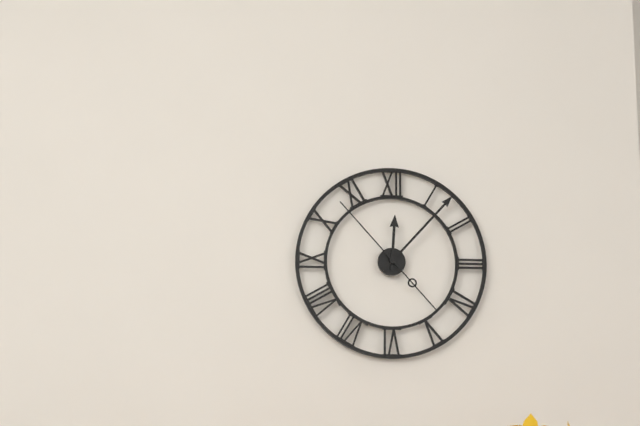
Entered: **12:07:53**
